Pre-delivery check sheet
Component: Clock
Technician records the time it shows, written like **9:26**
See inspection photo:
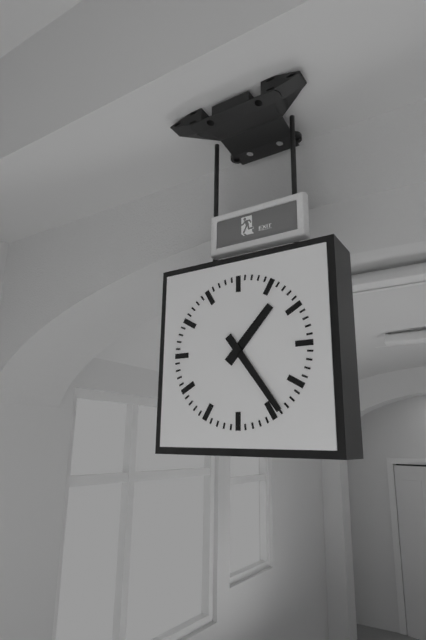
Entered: **1:24**
